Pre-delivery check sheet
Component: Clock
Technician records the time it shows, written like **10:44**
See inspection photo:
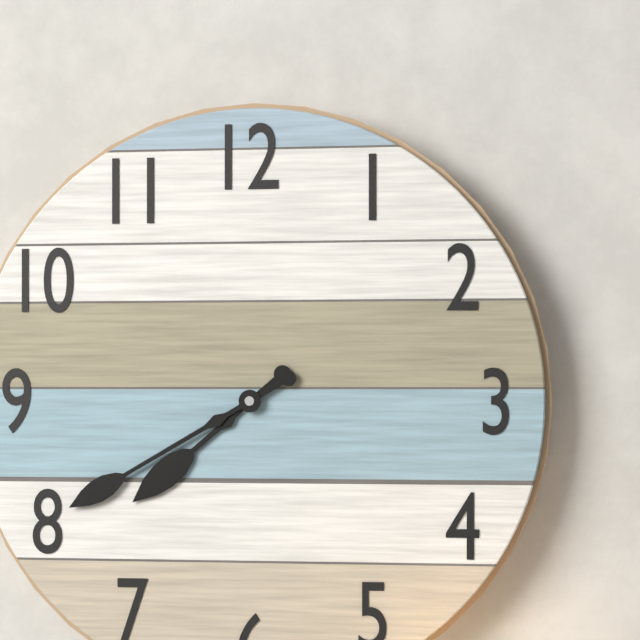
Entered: **7:40**
